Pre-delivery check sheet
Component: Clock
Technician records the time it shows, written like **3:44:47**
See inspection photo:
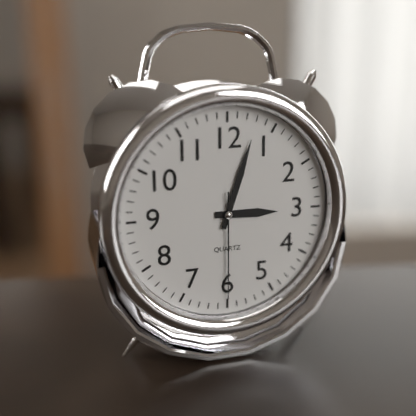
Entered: **3:03:30**
